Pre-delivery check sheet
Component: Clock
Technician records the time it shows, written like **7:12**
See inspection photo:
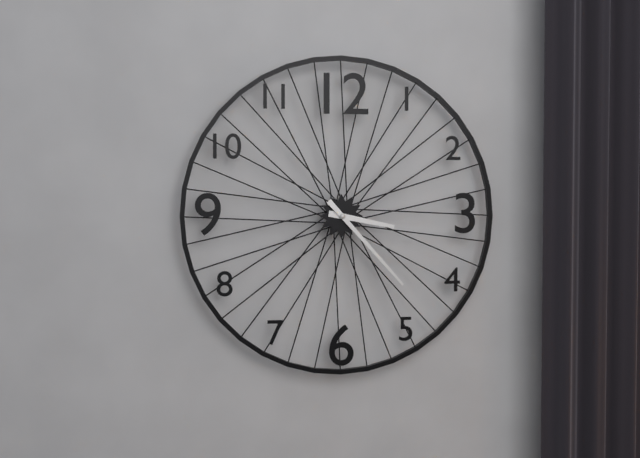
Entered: **3:23**
